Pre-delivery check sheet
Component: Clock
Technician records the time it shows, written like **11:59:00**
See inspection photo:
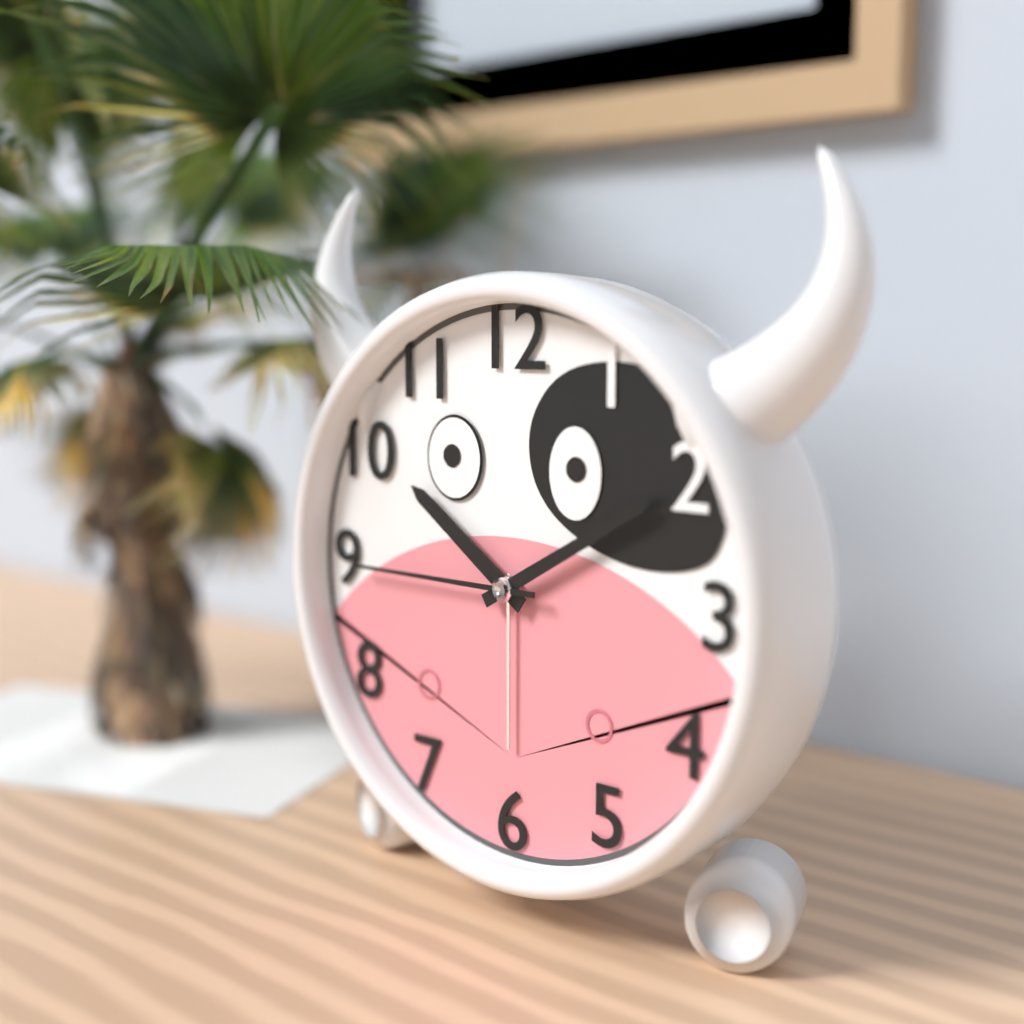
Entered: **10:10:45**
